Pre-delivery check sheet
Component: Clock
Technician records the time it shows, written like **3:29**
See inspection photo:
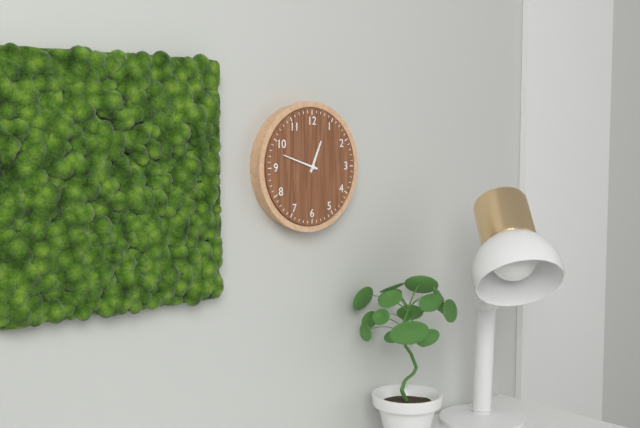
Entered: **12:48**
